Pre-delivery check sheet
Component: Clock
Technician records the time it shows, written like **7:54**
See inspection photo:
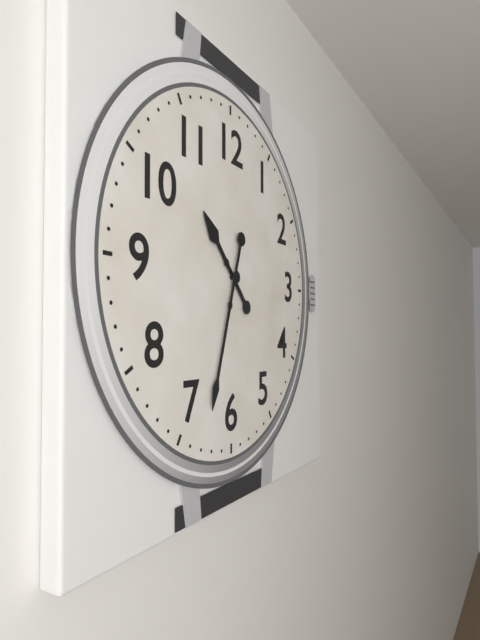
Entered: **10:33**
